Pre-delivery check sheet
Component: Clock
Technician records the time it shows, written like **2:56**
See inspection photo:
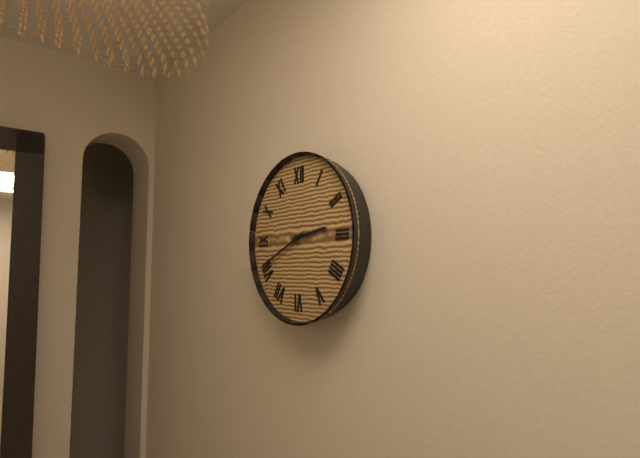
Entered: **2:41**
